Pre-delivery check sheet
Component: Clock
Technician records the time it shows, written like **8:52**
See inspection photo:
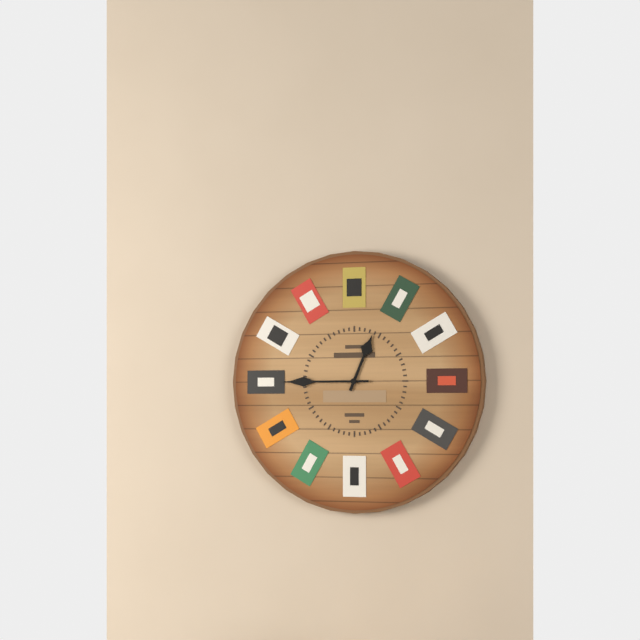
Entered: **12:45**
